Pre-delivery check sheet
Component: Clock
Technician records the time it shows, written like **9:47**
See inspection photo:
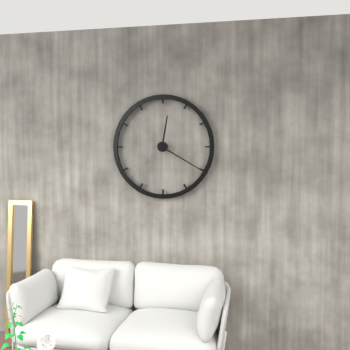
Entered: **12:20**
